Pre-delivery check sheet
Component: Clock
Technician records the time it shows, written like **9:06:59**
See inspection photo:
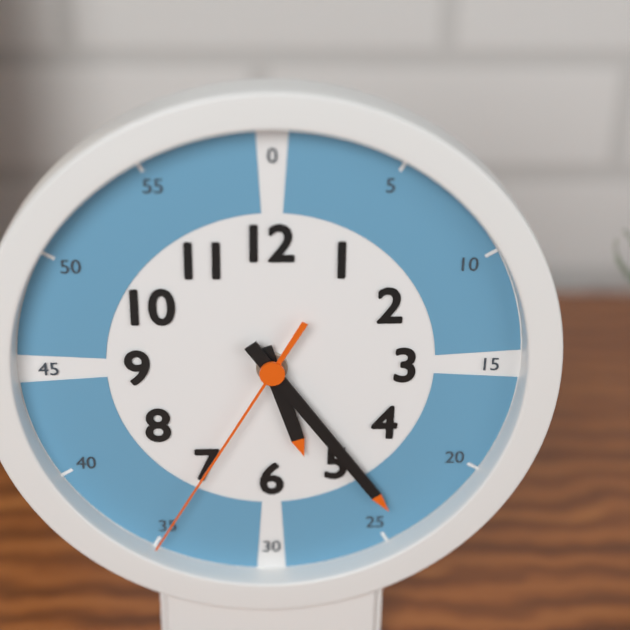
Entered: **5:24:35**
